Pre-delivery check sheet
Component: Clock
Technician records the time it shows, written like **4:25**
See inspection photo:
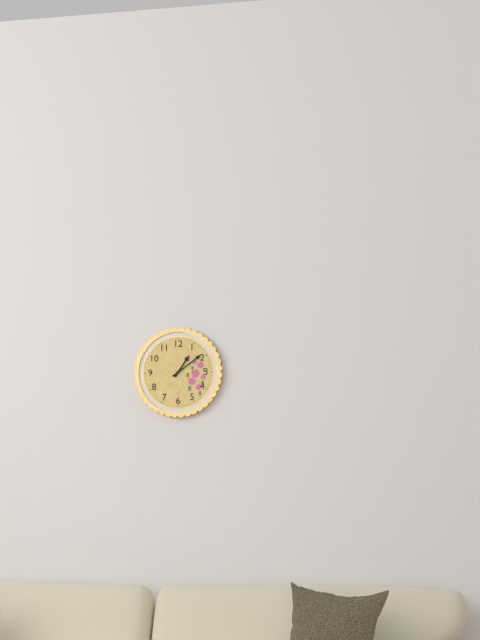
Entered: **1:09**
